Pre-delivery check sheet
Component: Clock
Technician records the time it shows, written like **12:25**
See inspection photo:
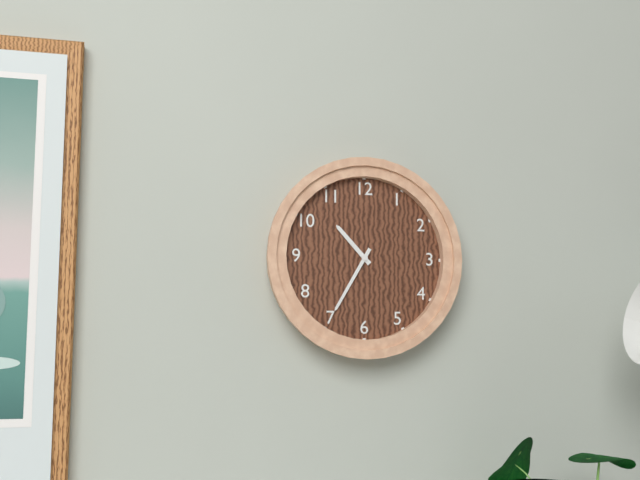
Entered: **10:35**
